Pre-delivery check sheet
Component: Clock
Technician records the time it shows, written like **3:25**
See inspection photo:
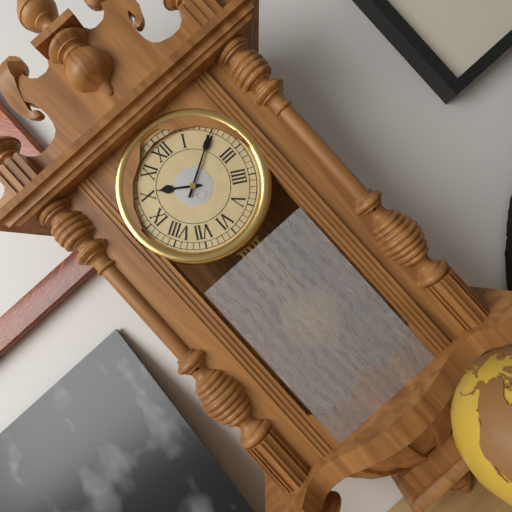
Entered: **10:10**
